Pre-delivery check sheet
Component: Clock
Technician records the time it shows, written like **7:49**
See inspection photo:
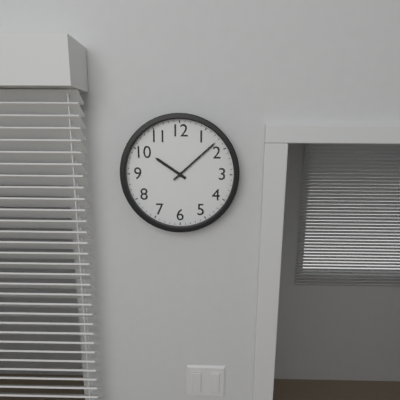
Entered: **10:08**
